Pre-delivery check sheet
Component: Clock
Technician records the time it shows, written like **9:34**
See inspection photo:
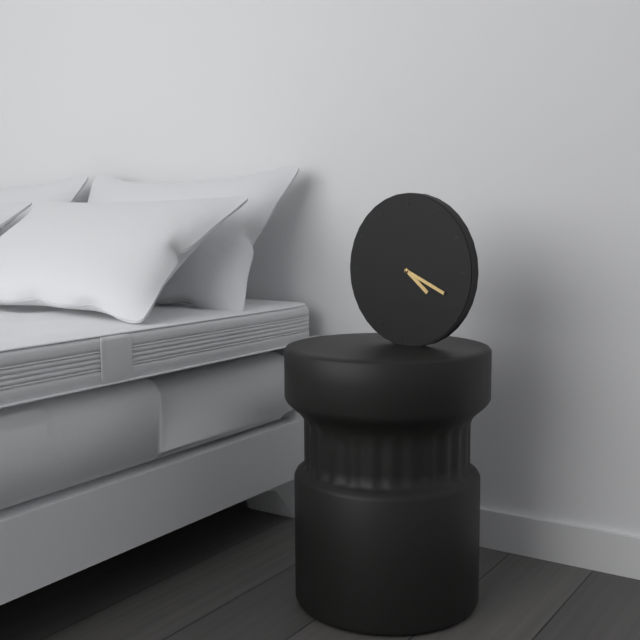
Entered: **4:19**
